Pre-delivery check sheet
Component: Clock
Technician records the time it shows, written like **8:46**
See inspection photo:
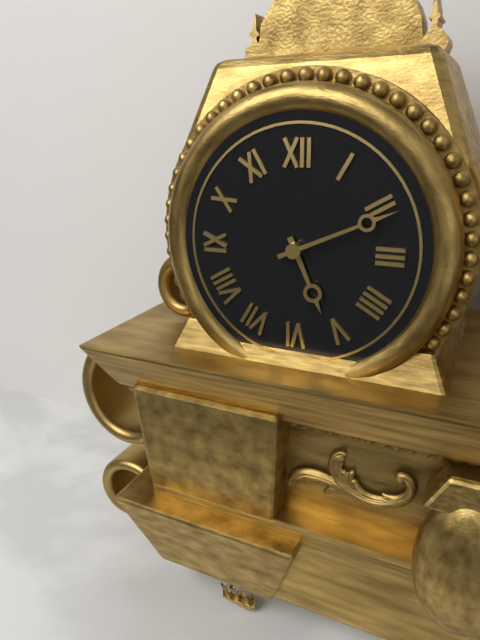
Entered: **5:11**
